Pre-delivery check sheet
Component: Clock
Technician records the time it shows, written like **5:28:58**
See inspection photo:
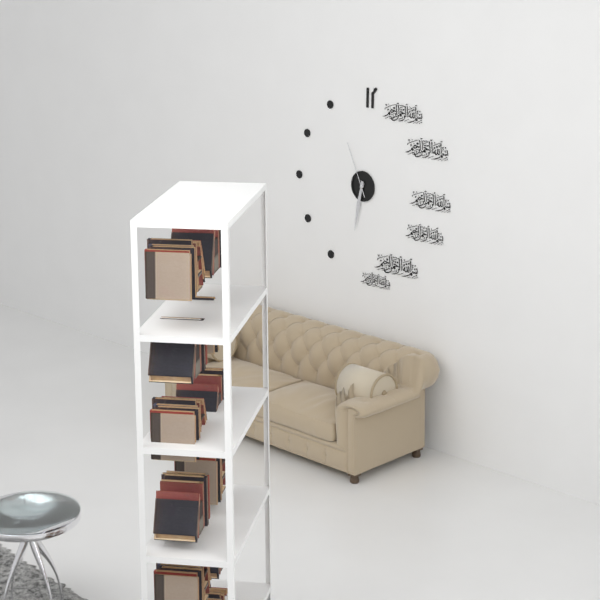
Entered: **6:32:56**
